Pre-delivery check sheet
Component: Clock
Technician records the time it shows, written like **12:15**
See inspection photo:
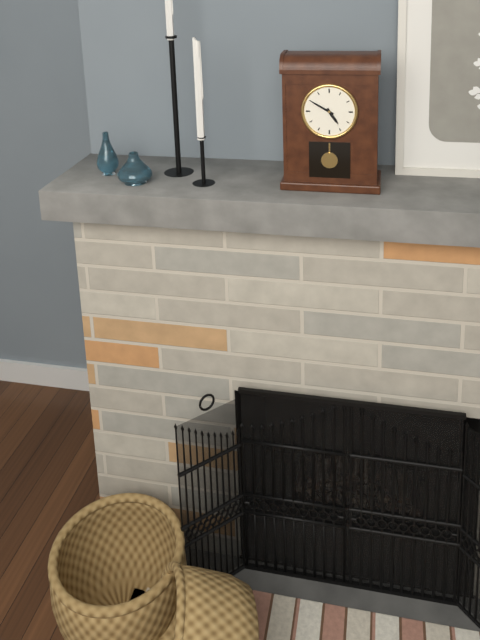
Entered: **4:50**
